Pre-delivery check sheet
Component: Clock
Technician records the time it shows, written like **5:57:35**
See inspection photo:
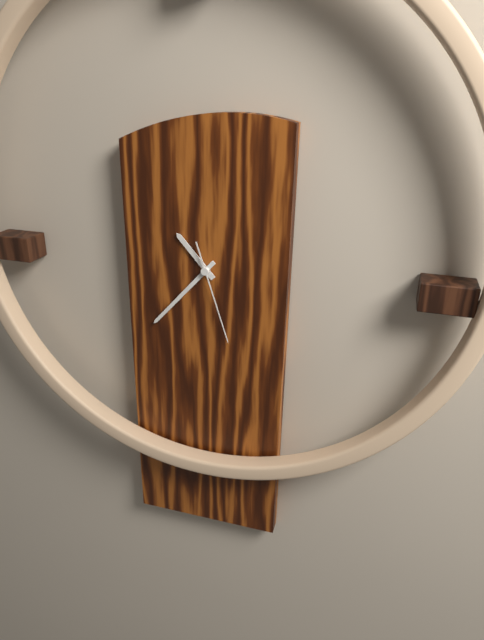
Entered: **10:37:27**
